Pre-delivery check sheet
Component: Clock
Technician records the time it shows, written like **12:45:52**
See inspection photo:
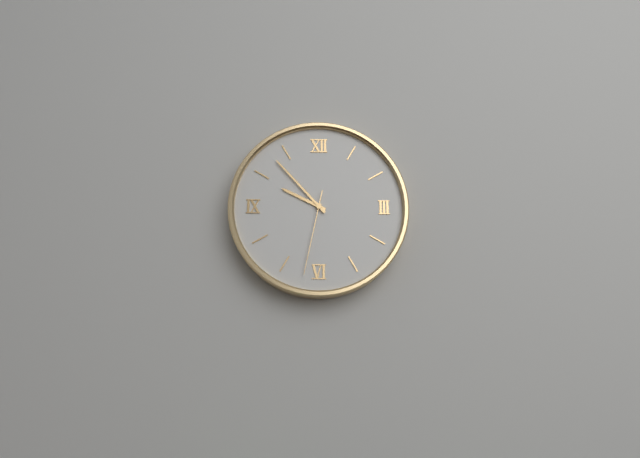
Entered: **9:53:32**
